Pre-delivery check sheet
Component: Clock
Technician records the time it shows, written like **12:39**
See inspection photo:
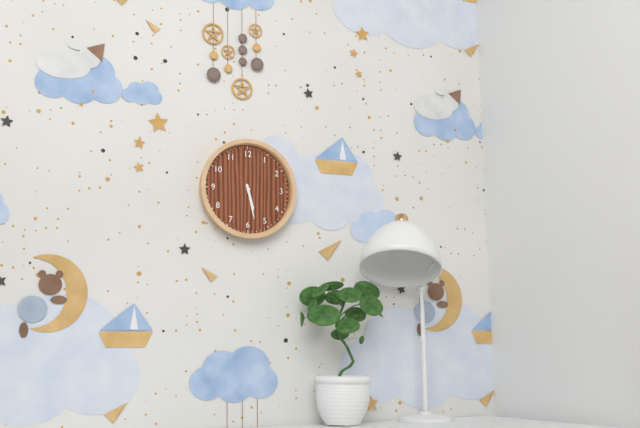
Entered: **5:28**
